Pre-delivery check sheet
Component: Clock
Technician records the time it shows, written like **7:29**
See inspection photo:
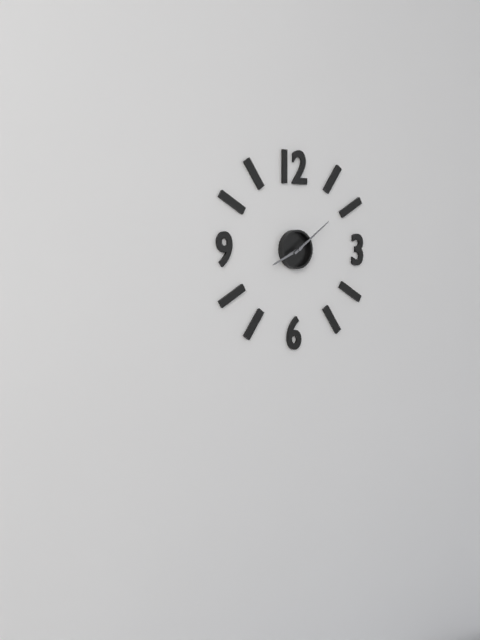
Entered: **8:09**
